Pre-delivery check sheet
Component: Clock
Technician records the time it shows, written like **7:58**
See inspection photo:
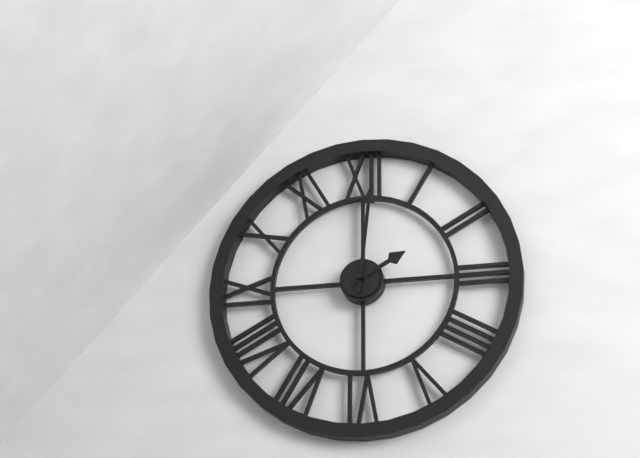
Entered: **2:01**
